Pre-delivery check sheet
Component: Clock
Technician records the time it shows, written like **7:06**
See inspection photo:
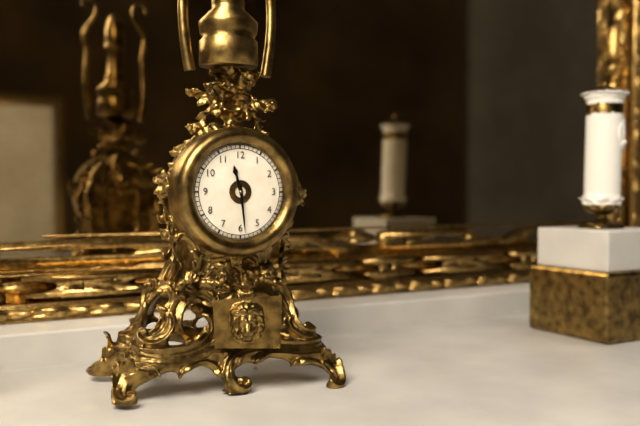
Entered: **11:29**
